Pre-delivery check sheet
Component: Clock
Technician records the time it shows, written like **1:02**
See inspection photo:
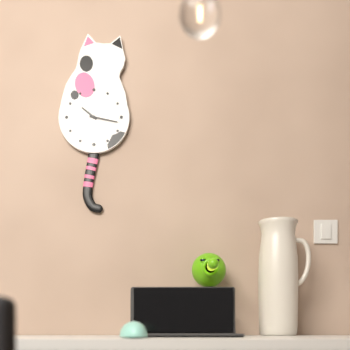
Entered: **10:17**
